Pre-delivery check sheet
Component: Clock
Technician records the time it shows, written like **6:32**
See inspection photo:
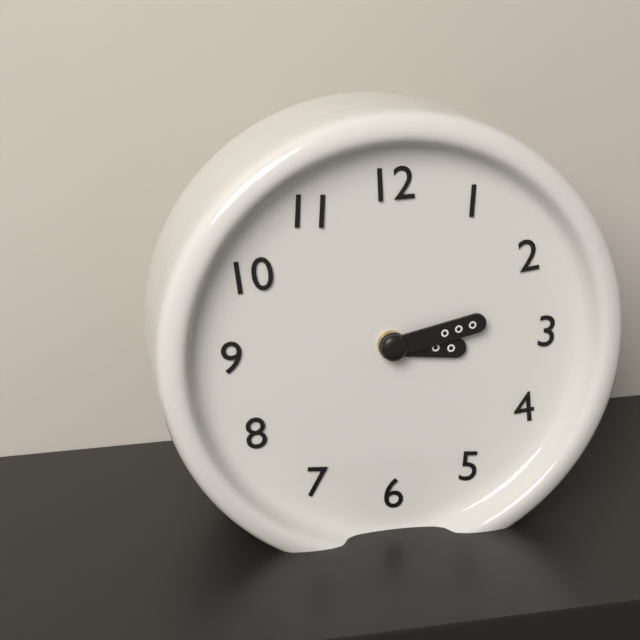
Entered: **3:13**
